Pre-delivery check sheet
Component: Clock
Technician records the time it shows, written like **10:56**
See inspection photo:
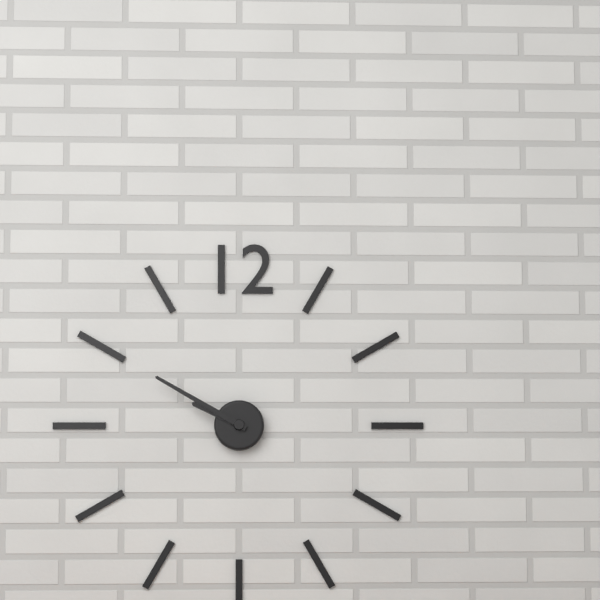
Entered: **9:50**
